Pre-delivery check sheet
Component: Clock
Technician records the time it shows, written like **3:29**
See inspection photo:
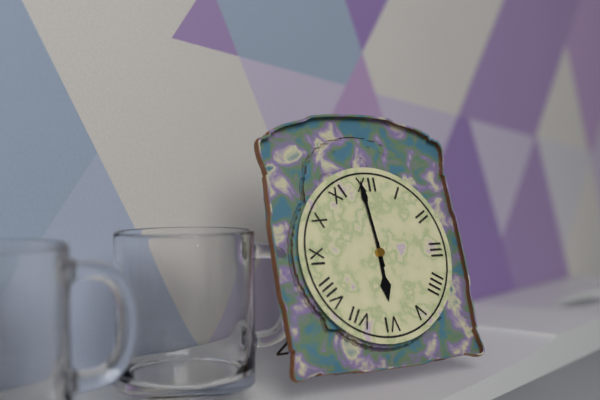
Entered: **5:59**
